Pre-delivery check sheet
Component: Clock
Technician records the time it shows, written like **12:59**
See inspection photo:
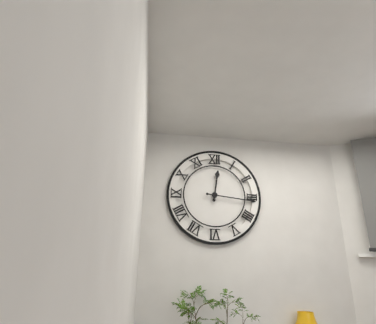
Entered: **12:16**
